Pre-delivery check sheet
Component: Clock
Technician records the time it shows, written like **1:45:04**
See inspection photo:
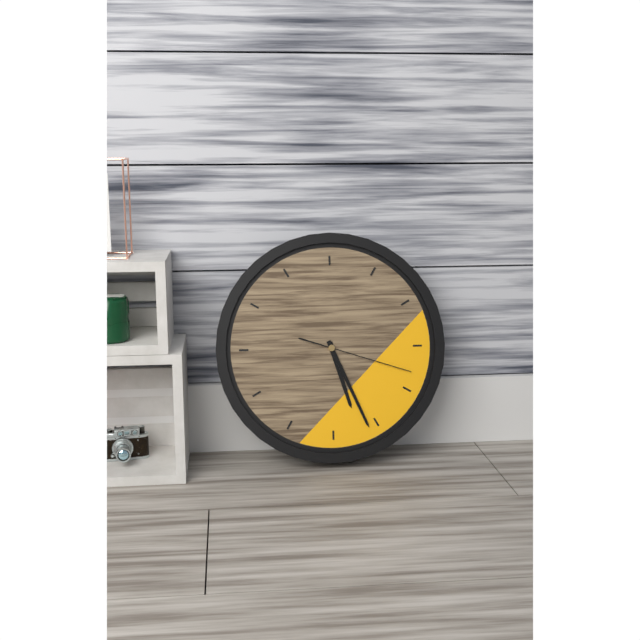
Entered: **5:26:18**
